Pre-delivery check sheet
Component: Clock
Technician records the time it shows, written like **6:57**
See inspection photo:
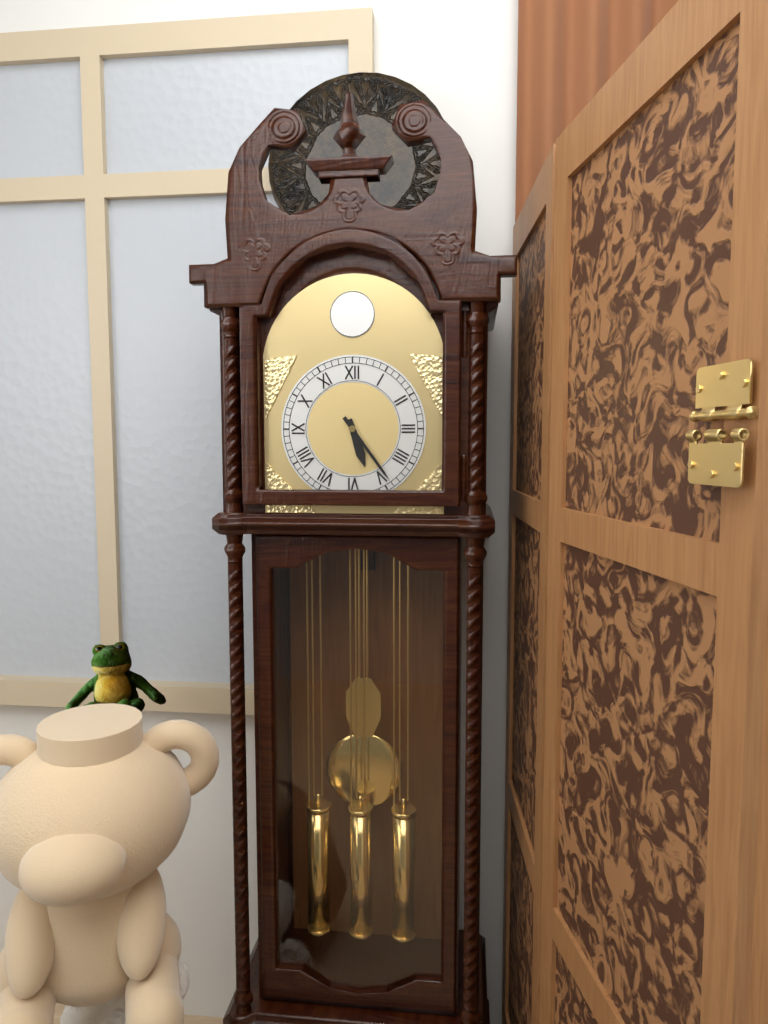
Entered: **5:24**
